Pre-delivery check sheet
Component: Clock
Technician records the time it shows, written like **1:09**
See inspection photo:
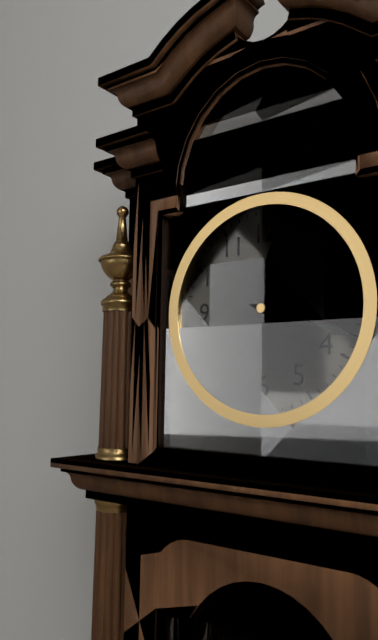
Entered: **12:18**
